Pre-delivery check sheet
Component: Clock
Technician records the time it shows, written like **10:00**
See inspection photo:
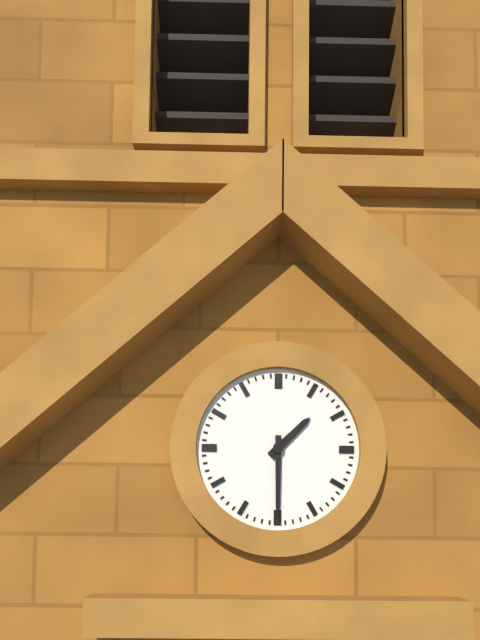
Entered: **1:30**
